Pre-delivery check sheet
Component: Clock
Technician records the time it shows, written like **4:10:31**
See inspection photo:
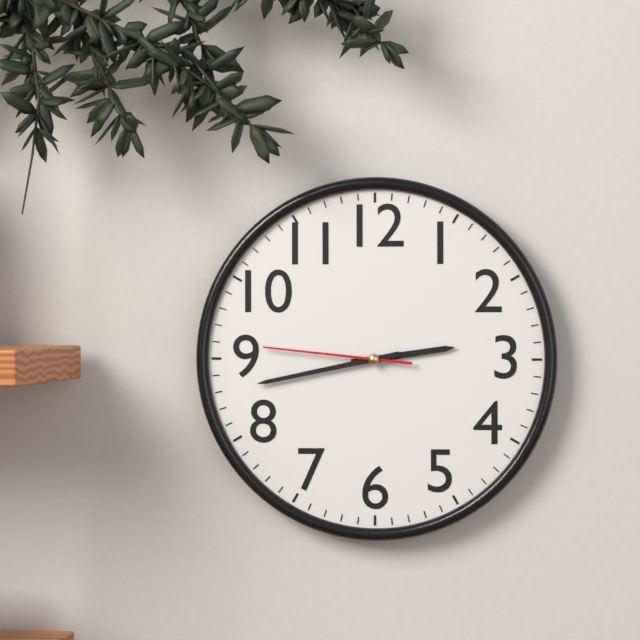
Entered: **2:43:46**
